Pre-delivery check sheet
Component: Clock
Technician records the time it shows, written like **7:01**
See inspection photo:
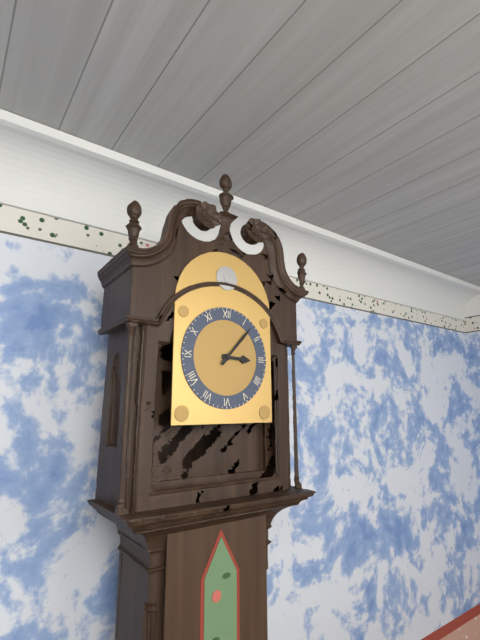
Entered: **3:07**
